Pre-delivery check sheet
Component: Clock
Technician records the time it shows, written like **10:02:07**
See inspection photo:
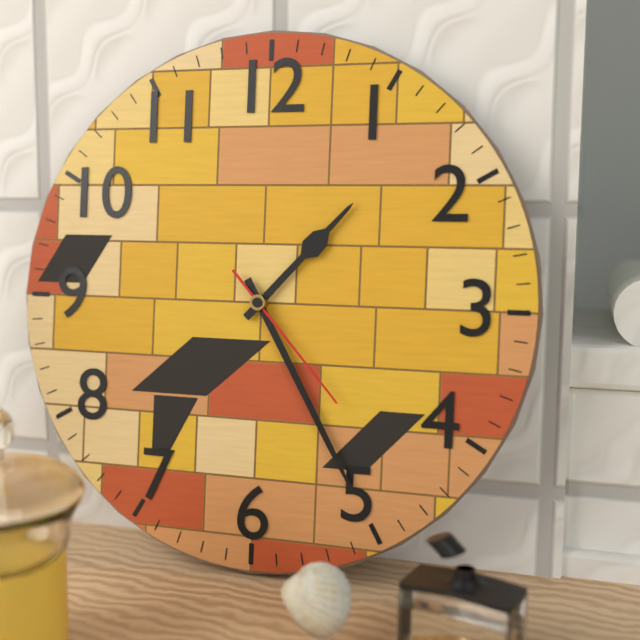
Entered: **1:25:23**
